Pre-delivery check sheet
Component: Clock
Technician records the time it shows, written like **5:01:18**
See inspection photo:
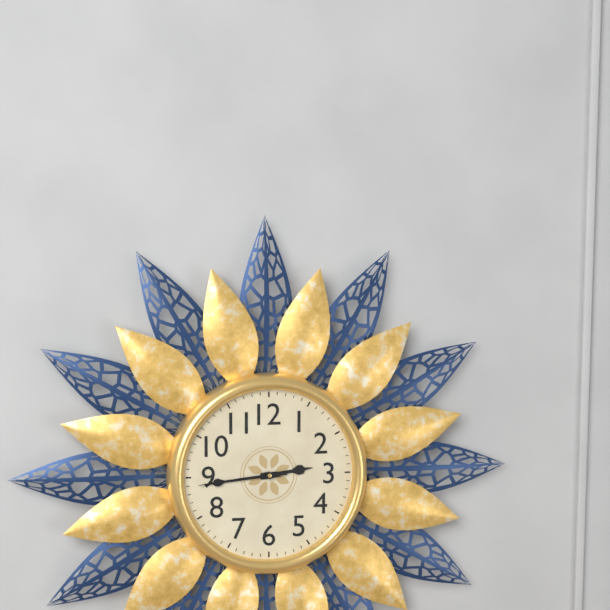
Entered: **2:44:44**
